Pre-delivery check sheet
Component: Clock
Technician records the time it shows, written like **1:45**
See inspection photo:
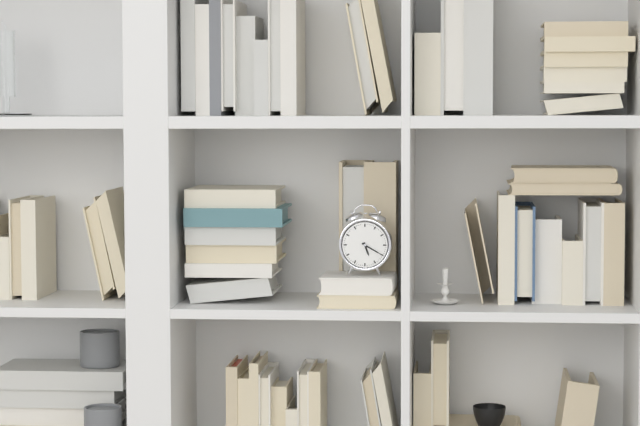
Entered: **5:20**
